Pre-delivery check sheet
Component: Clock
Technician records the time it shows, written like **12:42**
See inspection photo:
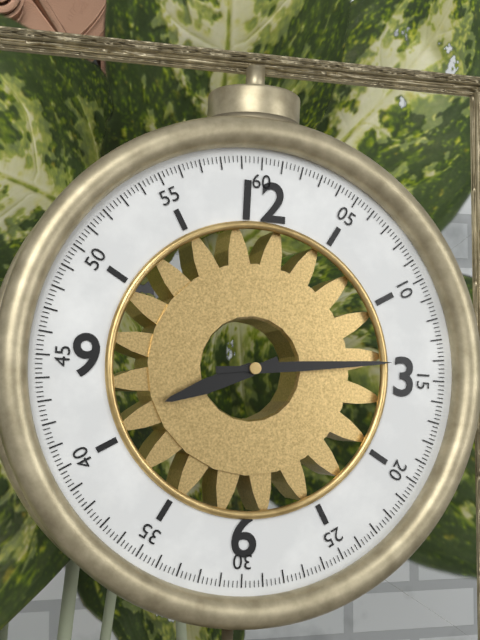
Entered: **8:14**
